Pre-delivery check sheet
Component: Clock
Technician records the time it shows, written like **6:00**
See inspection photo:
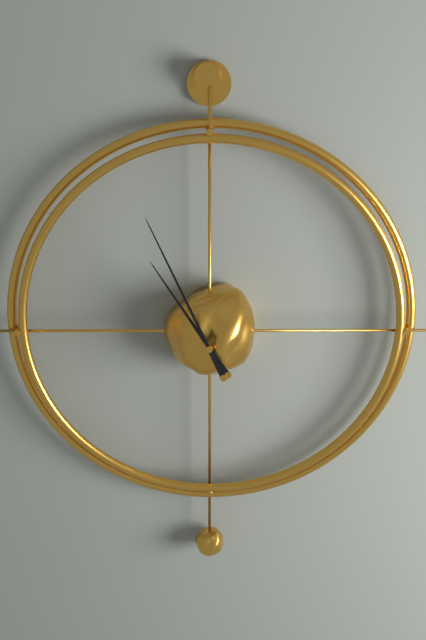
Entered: **10:56**
